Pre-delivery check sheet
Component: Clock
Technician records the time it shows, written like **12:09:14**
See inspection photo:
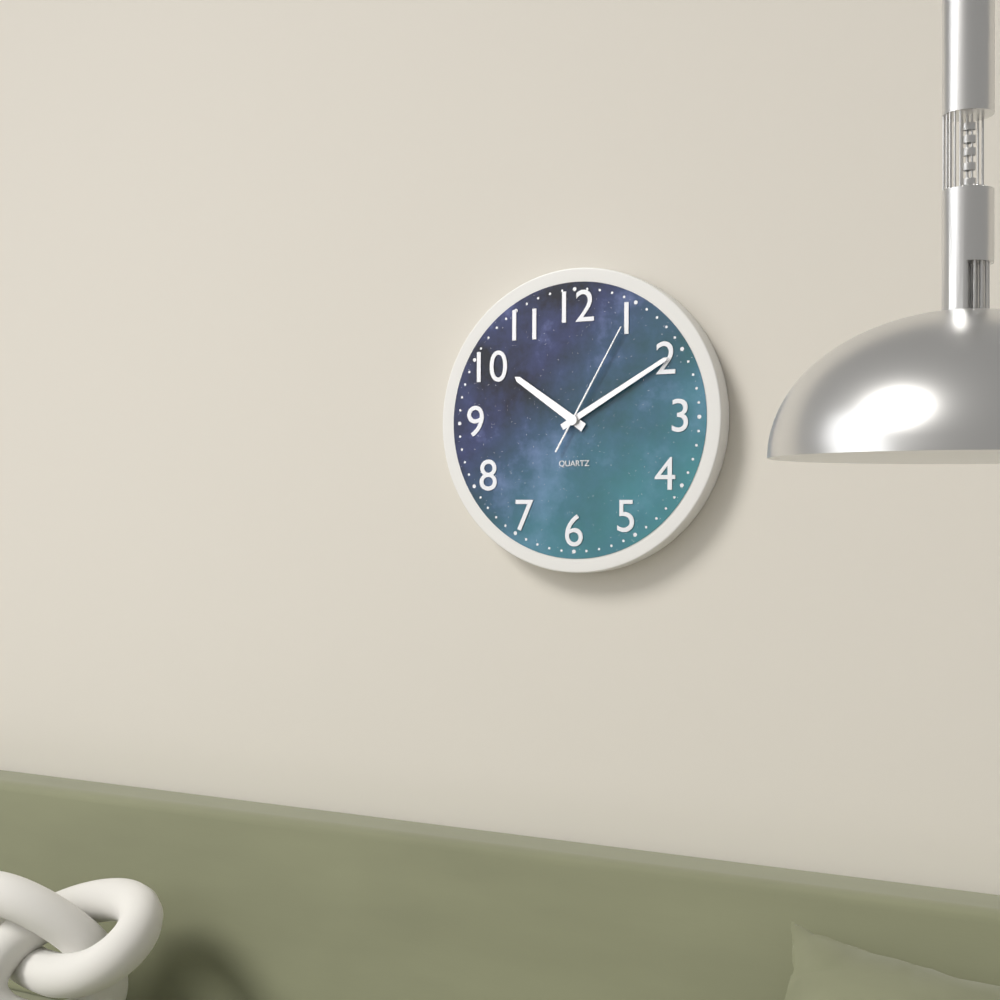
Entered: **10:10:05**
